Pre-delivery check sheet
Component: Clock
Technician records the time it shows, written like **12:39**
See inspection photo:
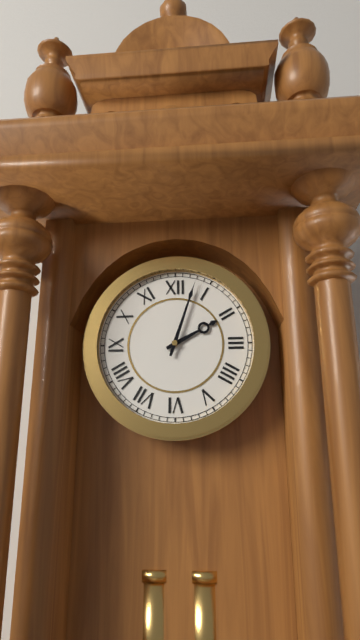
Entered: **2:03**
